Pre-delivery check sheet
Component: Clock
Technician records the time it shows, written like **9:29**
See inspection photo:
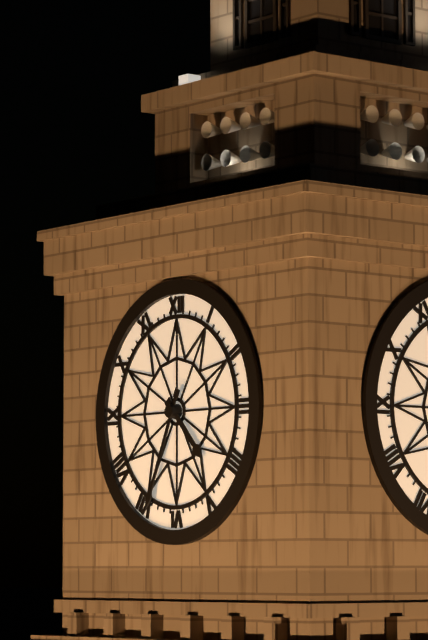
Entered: **4:34**
